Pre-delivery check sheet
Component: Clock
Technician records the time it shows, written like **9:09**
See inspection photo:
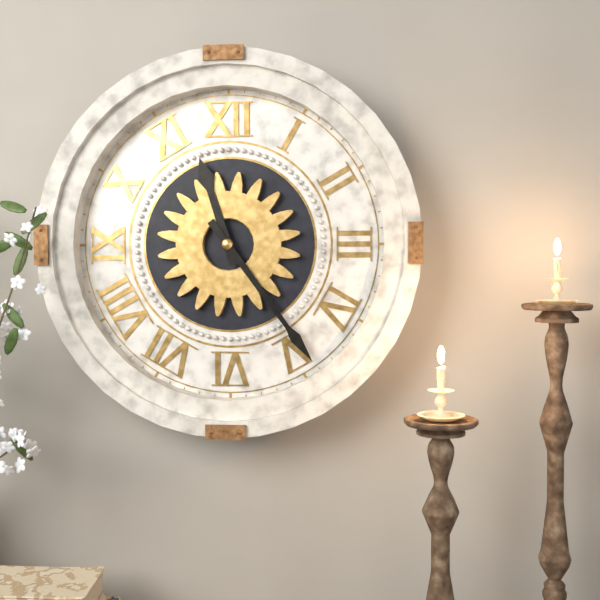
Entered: **11:24**
